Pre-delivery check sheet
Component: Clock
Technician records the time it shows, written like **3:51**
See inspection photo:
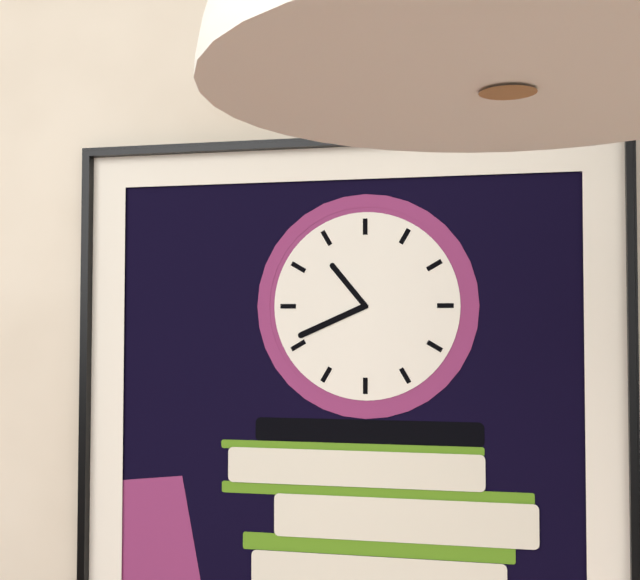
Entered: **10:41**
